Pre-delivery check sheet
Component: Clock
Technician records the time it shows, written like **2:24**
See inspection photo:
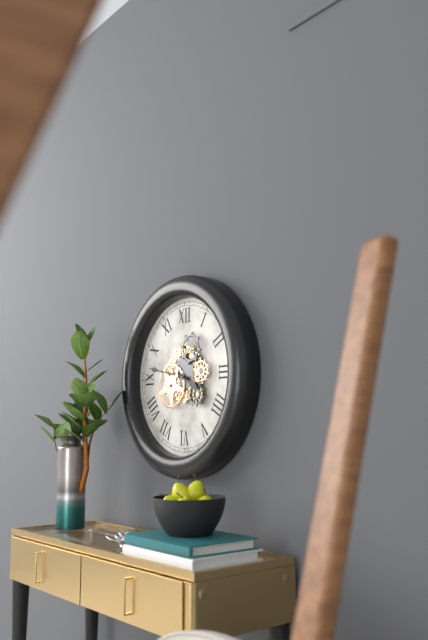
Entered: **3:47**
